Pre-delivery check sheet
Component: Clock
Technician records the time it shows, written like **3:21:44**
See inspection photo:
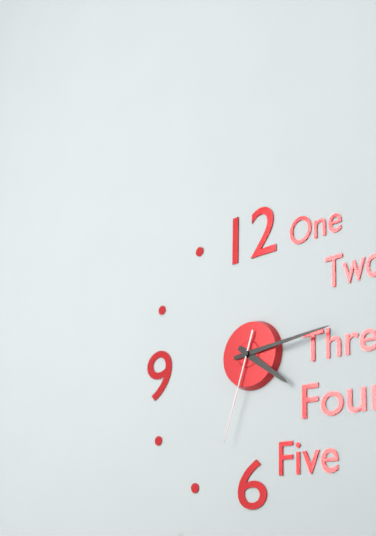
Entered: **4:14:33**
